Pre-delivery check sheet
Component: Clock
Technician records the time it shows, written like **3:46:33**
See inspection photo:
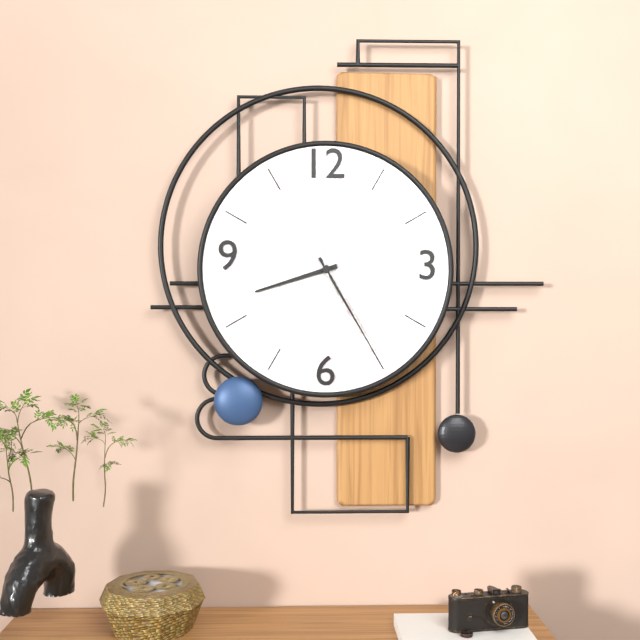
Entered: **8:25:57**
